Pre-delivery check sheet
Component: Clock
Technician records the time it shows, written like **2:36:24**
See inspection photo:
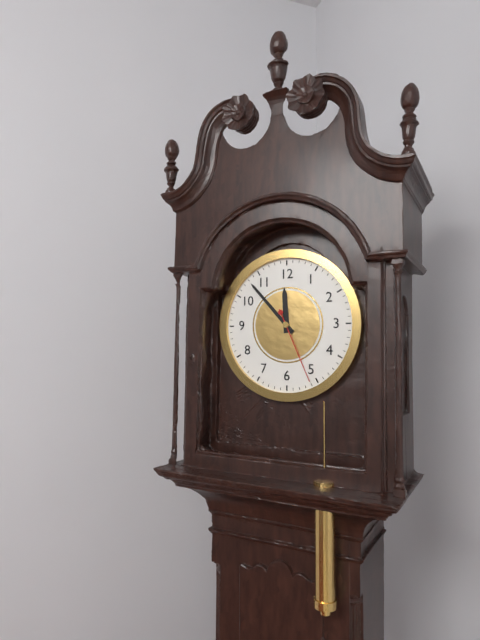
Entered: **11:53:26**
